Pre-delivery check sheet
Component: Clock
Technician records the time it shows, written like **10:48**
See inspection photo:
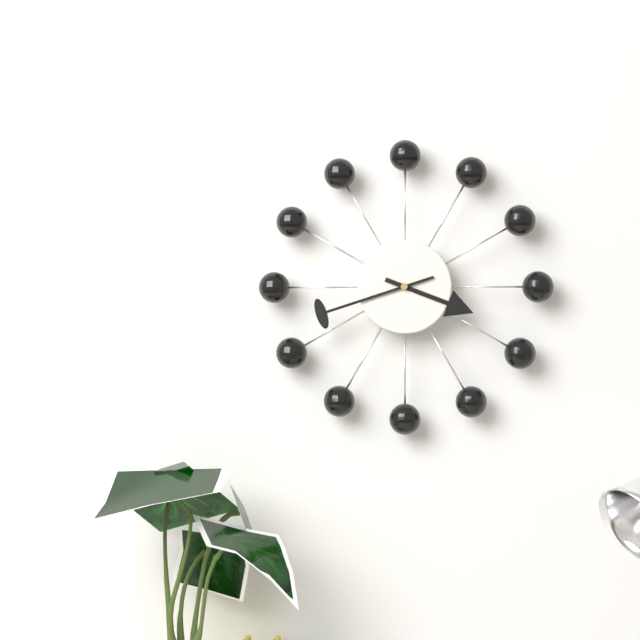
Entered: **3:42**
